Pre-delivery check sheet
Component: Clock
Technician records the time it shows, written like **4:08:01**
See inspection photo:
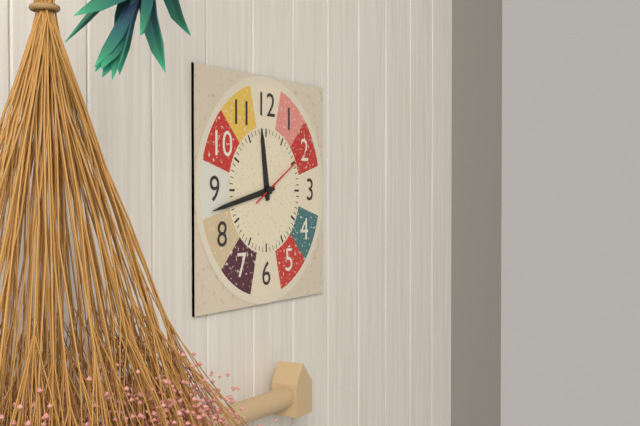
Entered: **11:43:10**
